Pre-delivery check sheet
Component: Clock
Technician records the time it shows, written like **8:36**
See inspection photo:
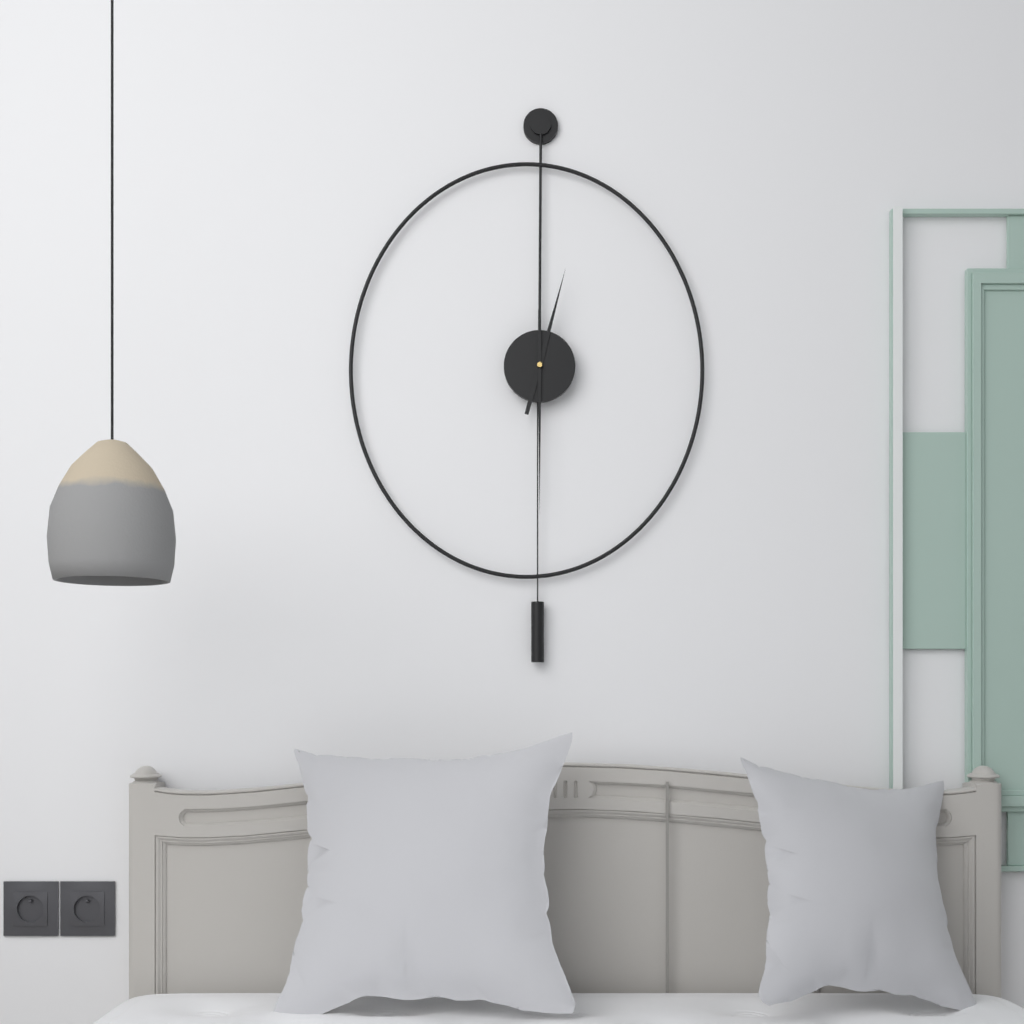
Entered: **12:30**
